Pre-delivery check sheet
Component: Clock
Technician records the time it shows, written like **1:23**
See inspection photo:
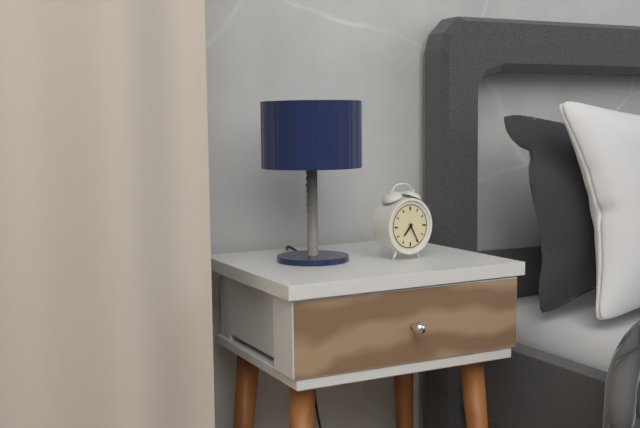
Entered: **7:25**
